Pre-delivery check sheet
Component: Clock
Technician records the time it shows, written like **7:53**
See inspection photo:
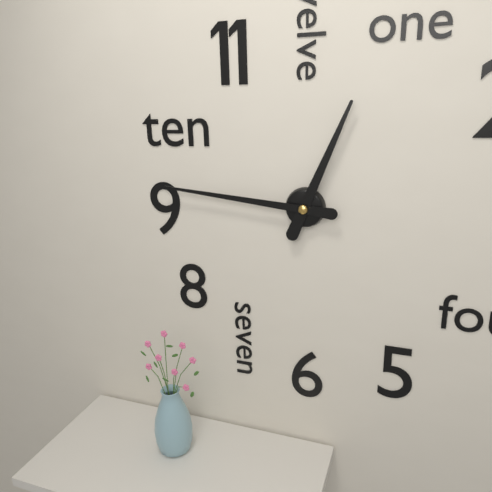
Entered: **12:46**
